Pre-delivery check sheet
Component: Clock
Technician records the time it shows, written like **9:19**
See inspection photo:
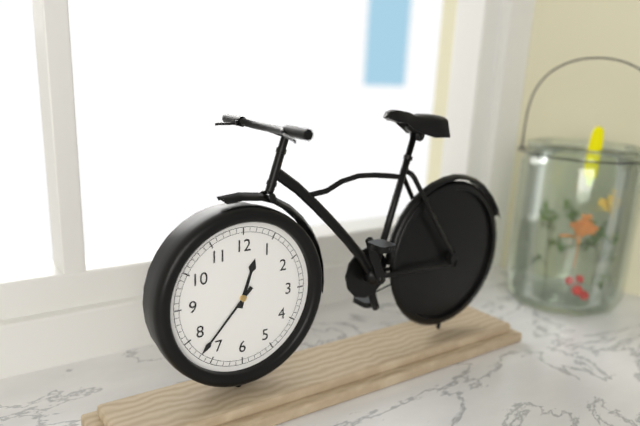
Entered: **12:37**
